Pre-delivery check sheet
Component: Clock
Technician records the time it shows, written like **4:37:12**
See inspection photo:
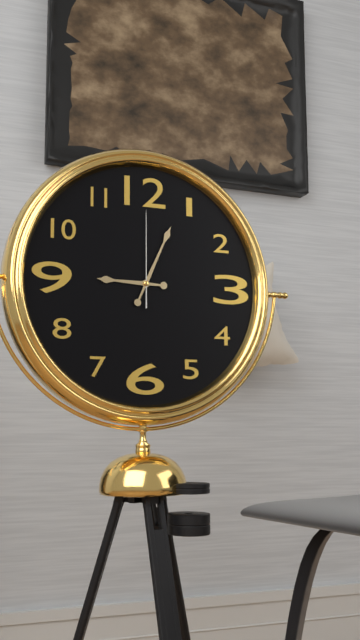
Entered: **9:04:00**
